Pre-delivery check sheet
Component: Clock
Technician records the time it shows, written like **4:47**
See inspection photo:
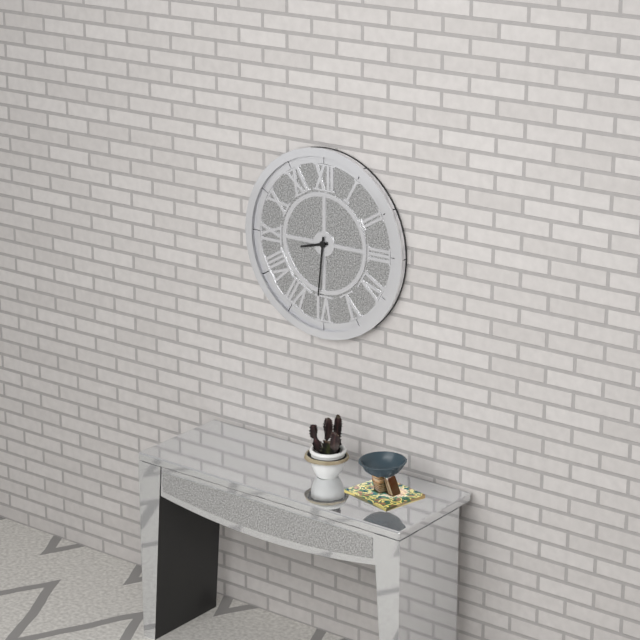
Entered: **8:31**
